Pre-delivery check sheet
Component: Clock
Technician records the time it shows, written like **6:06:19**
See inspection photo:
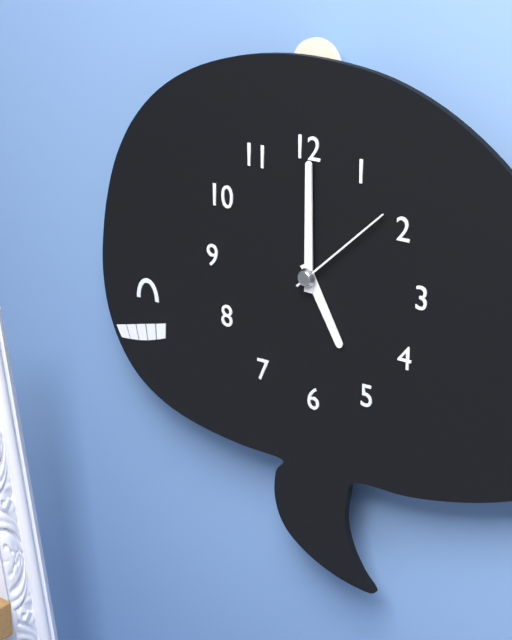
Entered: **5:00:08**
